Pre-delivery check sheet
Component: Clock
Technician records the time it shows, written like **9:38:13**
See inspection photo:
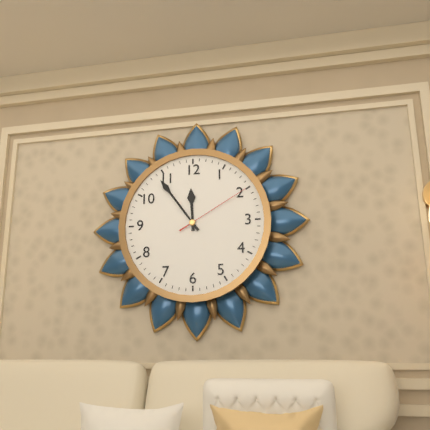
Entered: **11:54:10**
